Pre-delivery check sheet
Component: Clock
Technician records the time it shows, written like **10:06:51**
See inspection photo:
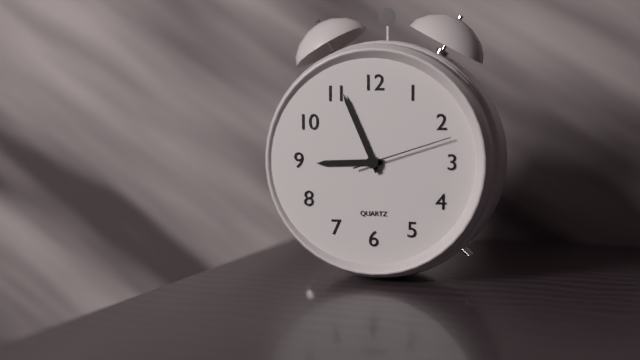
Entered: **8:56:12**
